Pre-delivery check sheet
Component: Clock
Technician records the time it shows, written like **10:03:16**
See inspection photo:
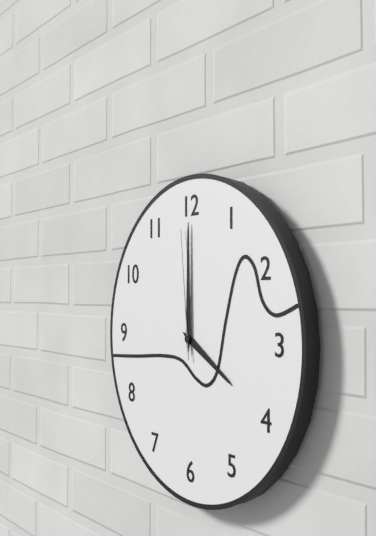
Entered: **4:00:59**
